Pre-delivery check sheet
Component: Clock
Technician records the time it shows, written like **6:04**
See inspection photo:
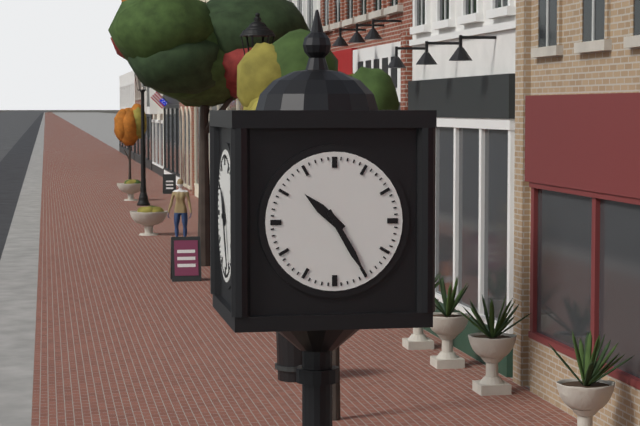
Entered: **10:25**
